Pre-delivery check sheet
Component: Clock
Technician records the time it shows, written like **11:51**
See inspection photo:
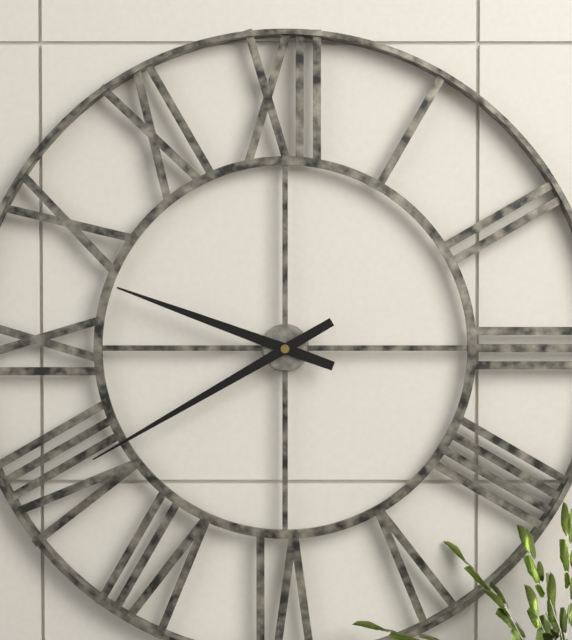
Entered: **9:40**
